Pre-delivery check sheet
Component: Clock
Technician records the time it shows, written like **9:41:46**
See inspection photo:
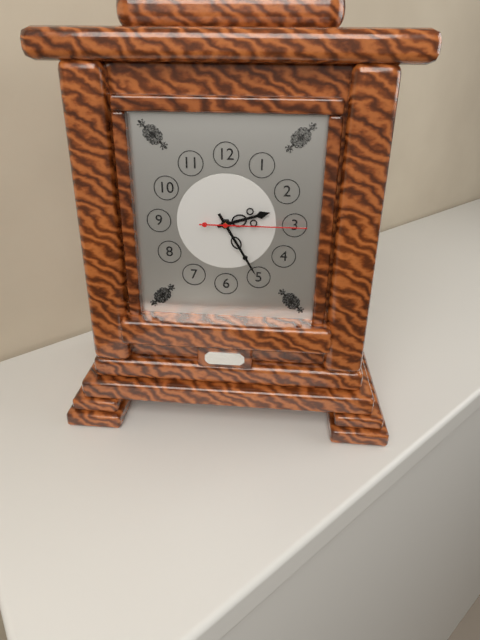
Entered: **2:25:15**
